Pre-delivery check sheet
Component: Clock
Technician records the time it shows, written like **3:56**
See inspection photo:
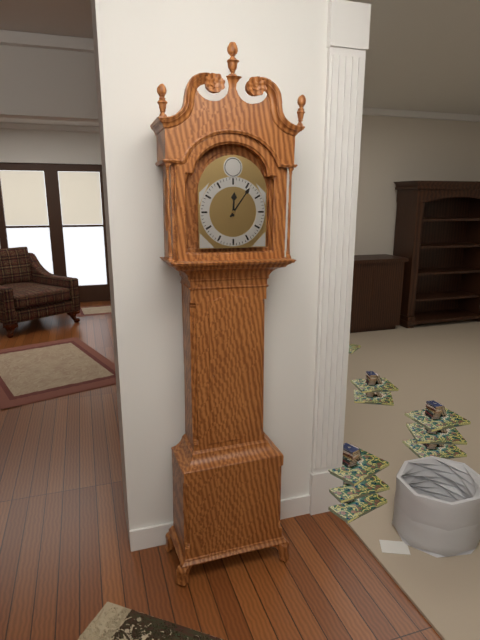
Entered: **12:06**
